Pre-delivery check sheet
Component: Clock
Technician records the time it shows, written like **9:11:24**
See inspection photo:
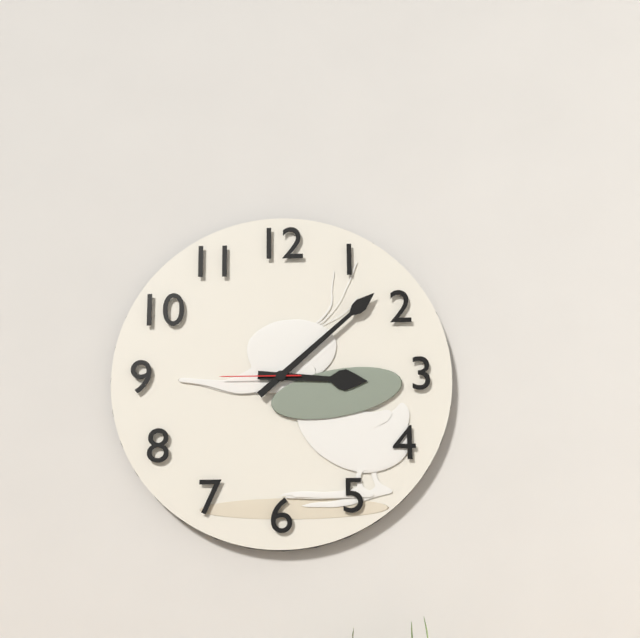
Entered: **3:08:45**
